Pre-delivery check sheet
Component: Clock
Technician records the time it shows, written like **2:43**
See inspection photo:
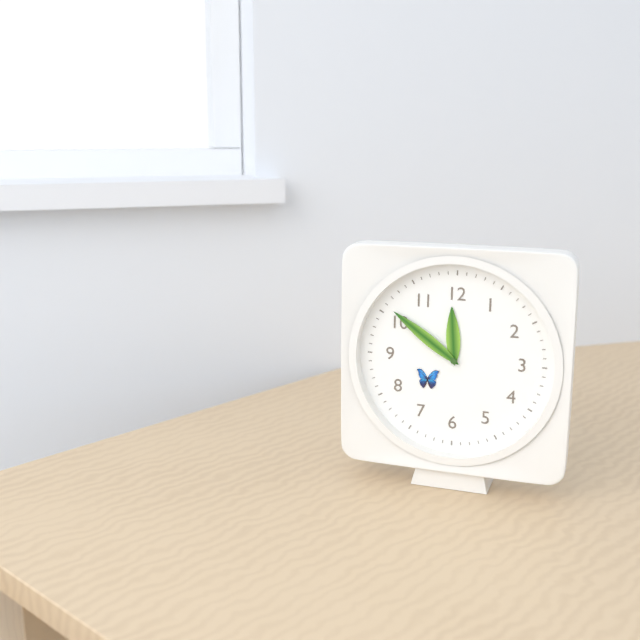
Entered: **11:51**
